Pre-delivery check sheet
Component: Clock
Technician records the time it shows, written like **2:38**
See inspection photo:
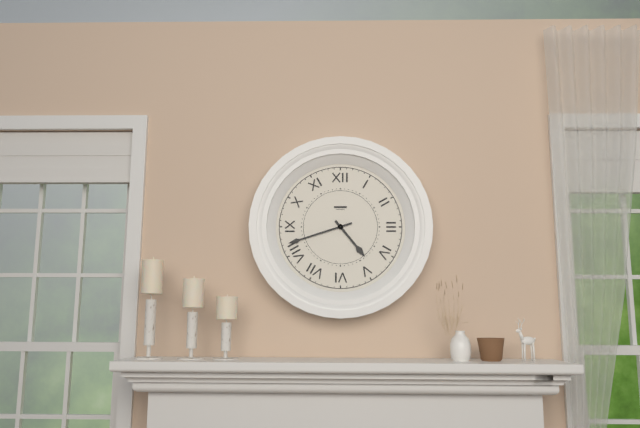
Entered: **4:42**
